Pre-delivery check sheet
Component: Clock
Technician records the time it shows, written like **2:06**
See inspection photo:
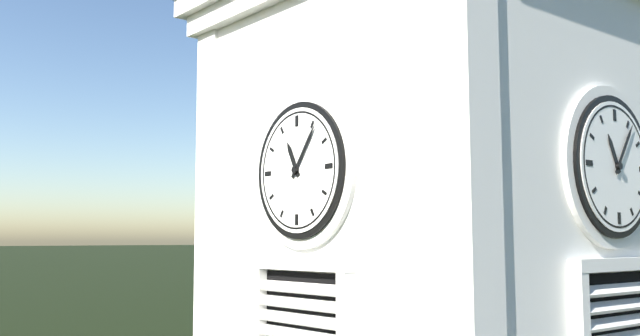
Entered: **11:06**
